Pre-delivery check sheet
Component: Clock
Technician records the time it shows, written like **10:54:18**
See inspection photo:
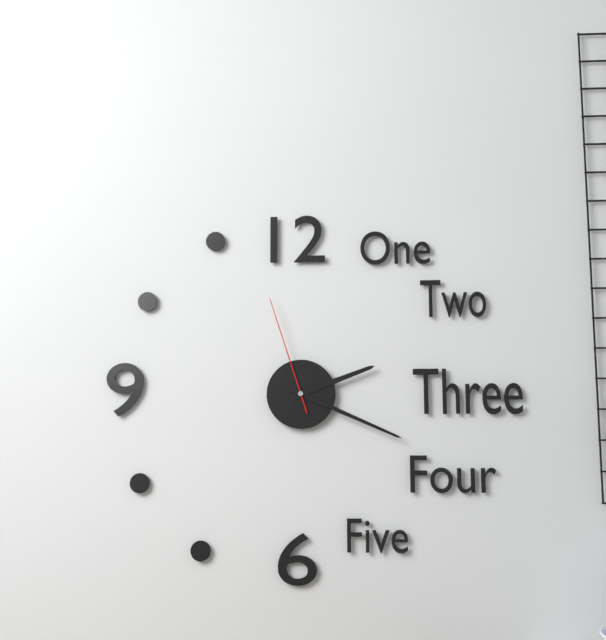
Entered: **2:19:57**
